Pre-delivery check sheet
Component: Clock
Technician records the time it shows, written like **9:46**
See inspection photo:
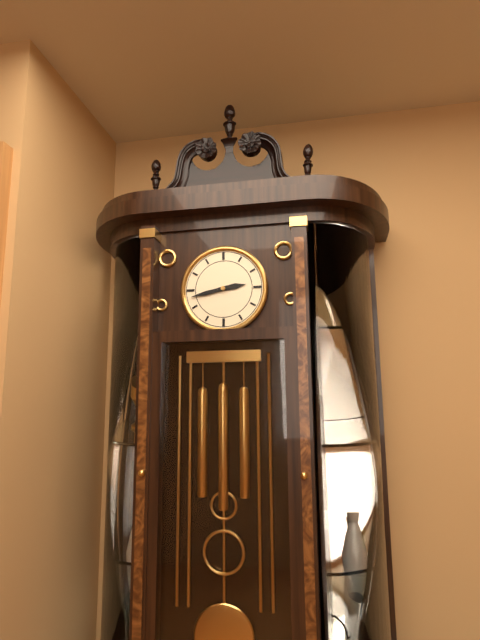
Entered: **2:43**
